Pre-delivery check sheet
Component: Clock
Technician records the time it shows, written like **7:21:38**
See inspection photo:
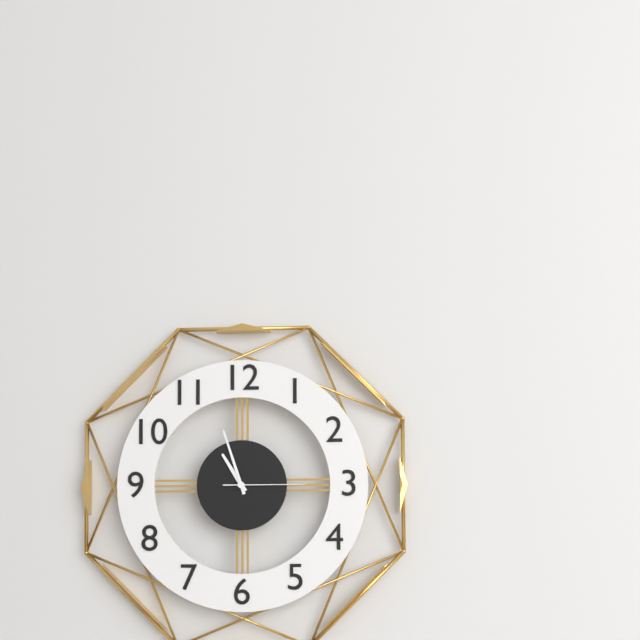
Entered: **10:57:15**
